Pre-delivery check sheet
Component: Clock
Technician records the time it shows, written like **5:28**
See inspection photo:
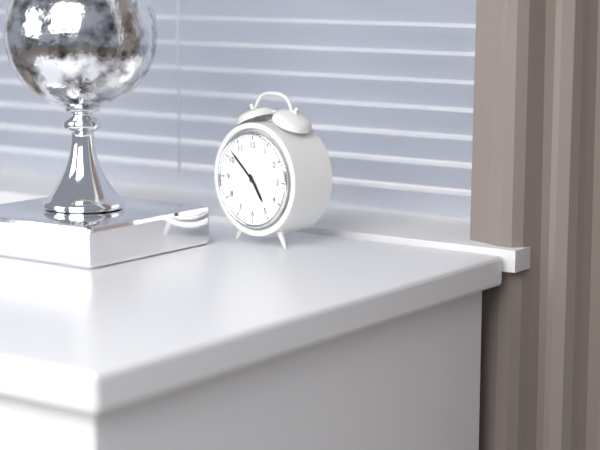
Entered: **4:52**
